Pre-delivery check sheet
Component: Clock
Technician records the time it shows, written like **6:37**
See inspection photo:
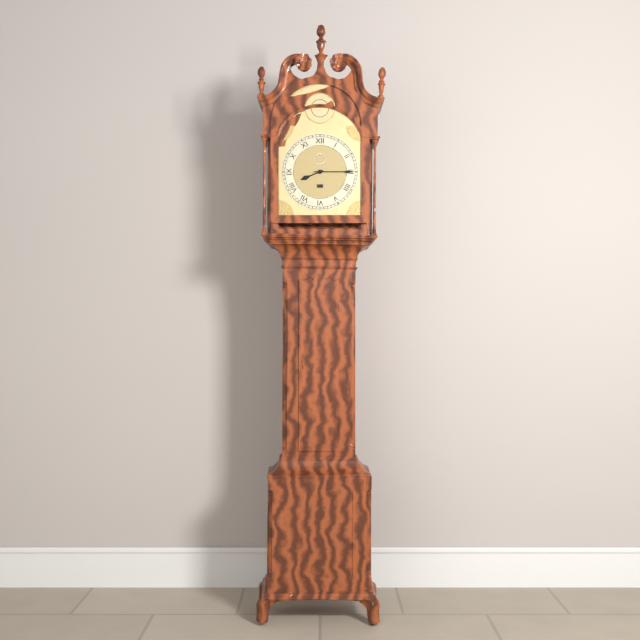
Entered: **8:15**
